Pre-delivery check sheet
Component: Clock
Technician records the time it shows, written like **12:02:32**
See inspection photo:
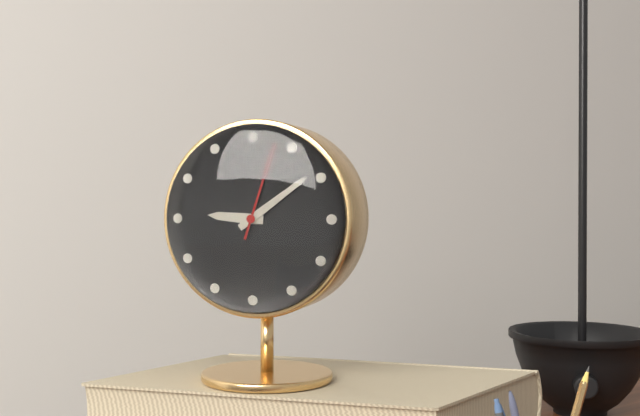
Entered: **9:09:03**
